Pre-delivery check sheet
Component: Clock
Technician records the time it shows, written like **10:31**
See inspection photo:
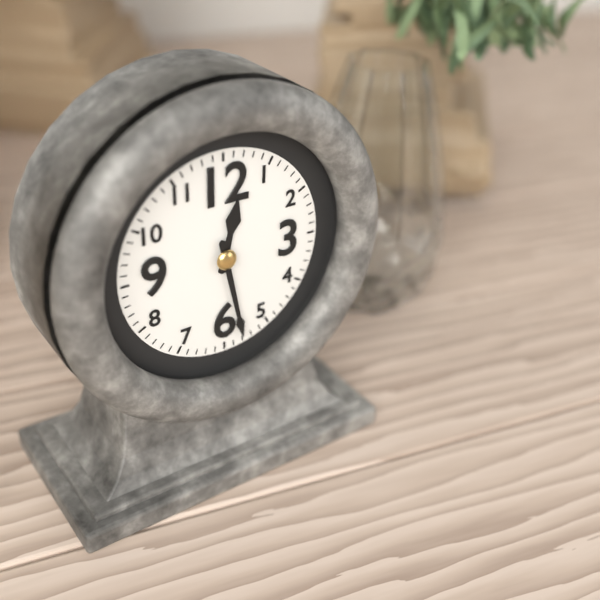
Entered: **12:28**
